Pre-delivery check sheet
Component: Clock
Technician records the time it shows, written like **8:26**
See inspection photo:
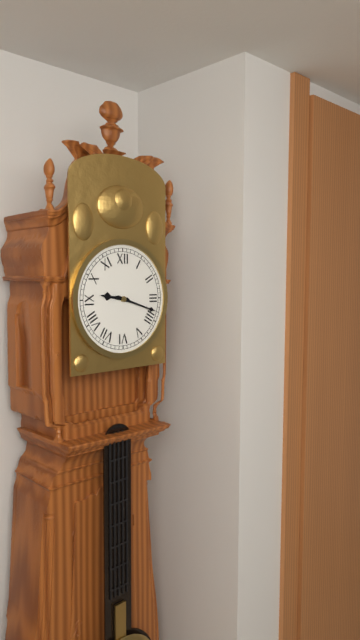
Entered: **9:18**
